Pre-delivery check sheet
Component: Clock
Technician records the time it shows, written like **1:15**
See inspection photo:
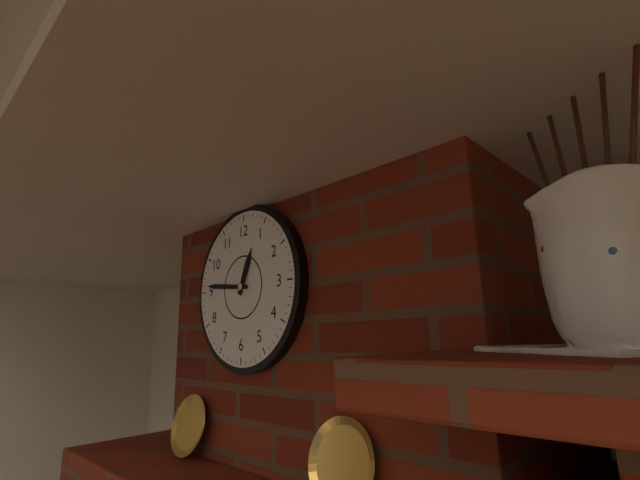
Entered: **12:46**
